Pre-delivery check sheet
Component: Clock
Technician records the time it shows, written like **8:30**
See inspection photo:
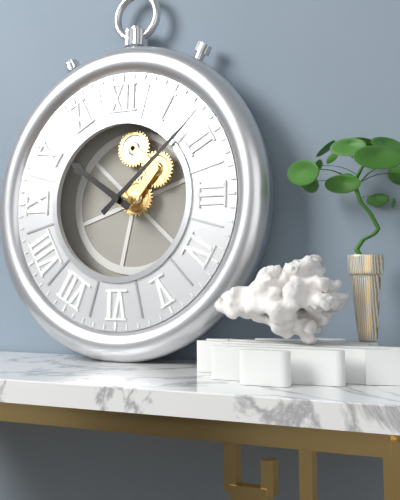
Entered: **10:08**
